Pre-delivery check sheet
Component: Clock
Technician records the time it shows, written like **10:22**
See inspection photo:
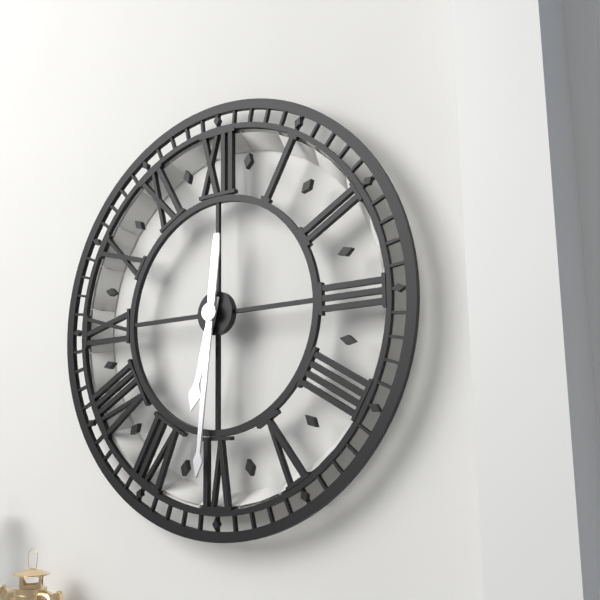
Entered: **6:31**
